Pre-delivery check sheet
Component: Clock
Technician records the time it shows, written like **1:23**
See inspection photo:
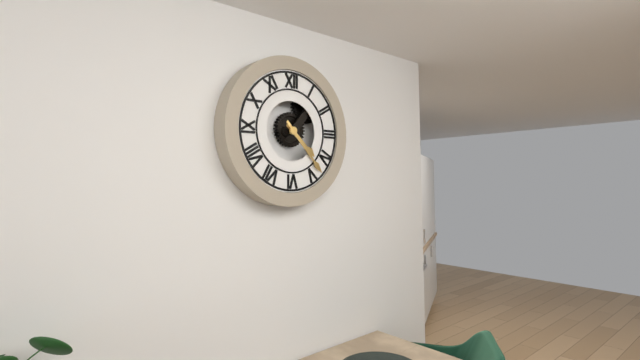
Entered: **4:23**
